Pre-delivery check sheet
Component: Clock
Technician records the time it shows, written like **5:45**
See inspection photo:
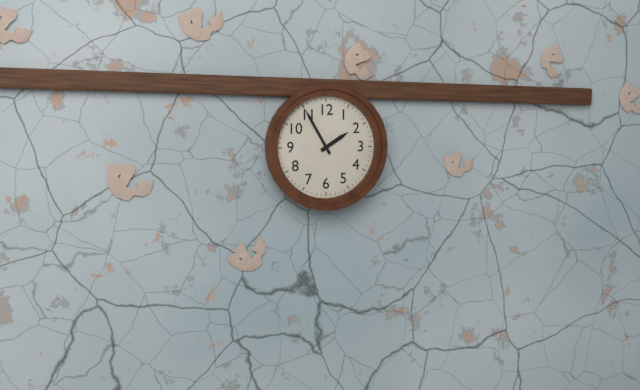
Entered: **1:55**
